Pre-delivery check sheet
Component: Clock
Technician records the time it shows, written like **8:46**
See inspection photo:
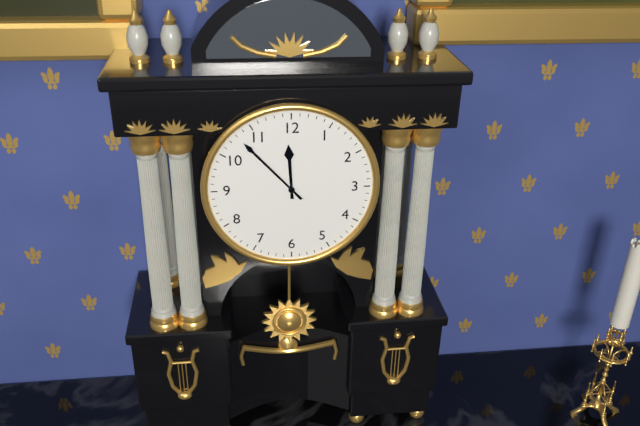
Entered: **11:53**
